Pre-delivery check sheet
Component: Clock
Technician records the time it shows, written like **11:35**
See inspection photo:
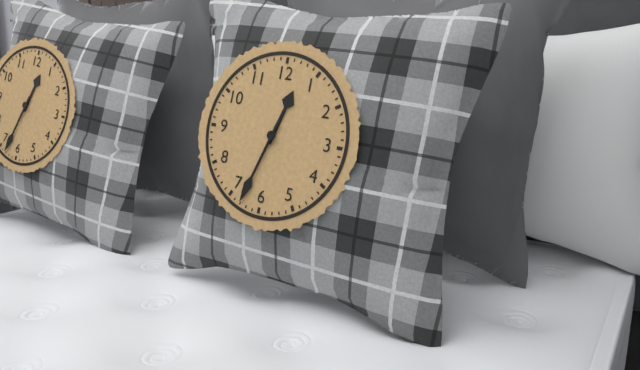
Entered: **12:33**
